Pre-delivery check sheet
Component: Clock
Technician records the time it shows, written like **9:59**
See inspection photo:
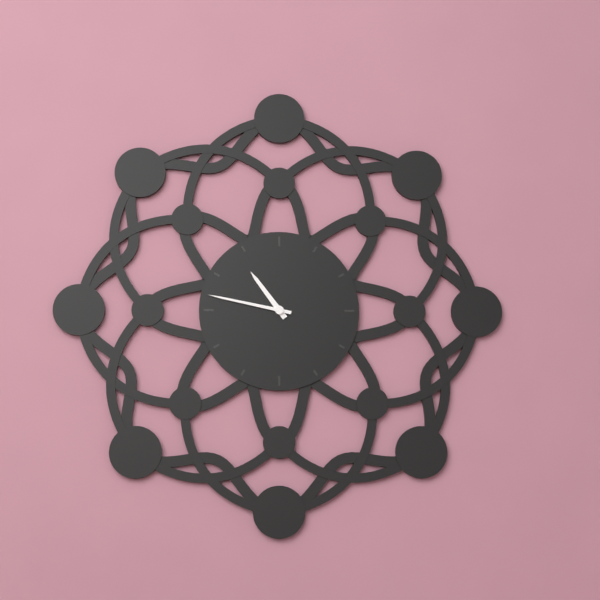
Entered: **10:47**
